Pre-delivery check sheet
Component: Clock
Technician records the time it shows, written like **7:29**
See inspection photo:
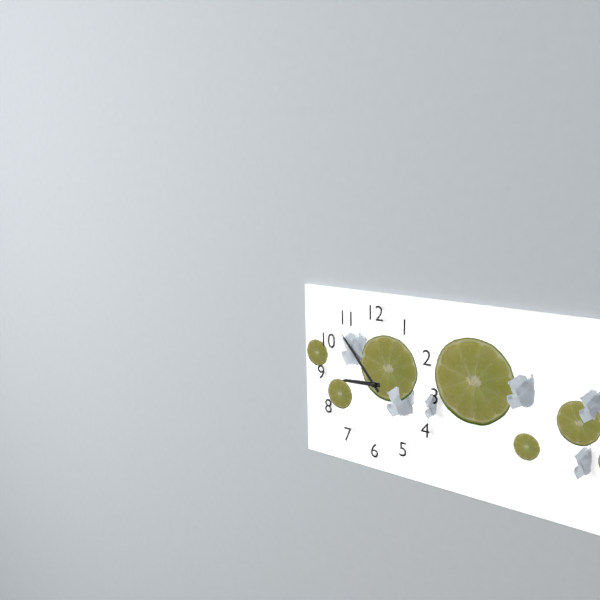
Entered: **8:53**
